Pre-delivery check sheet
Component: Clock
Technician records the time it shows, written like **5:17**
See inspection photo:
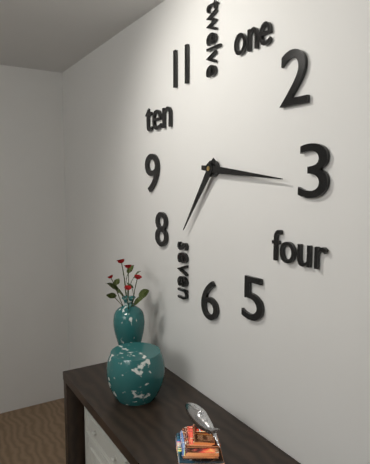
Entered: **7:16**
